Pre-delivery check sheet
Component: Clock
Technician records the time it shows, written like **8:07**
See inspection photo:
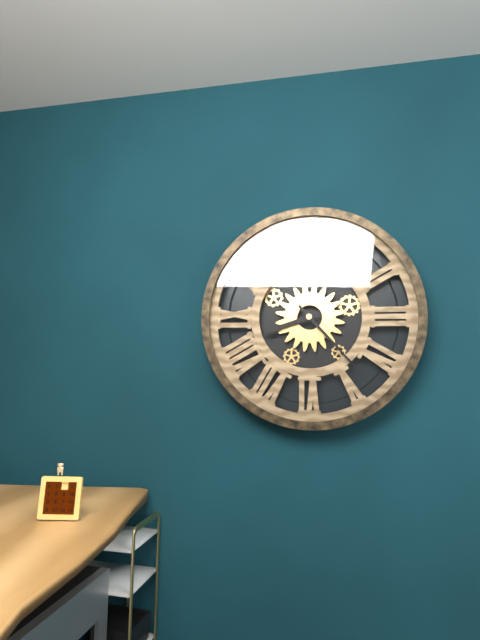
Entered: **8:23**
